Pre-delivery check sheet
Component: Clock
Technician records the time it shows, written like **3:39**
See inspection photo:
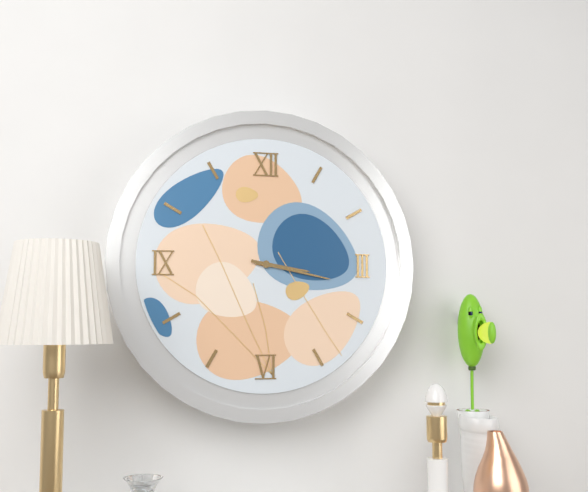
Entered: **3:17**
